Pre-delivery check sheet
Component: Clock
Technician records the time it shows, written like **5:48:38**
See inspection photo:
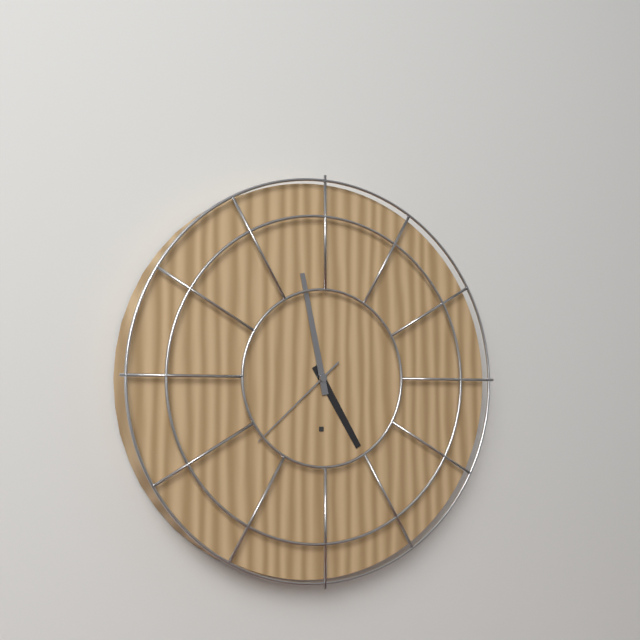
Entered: **4:58:38**
